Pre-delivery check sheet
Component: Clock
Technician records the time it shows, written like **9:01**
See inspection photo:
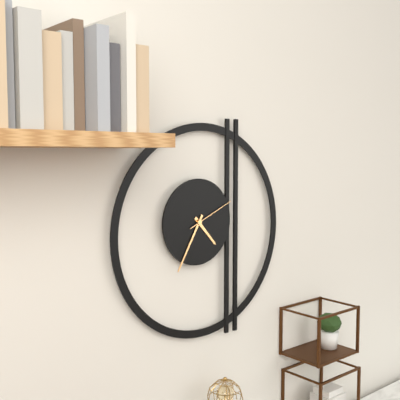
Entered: **4:35**
